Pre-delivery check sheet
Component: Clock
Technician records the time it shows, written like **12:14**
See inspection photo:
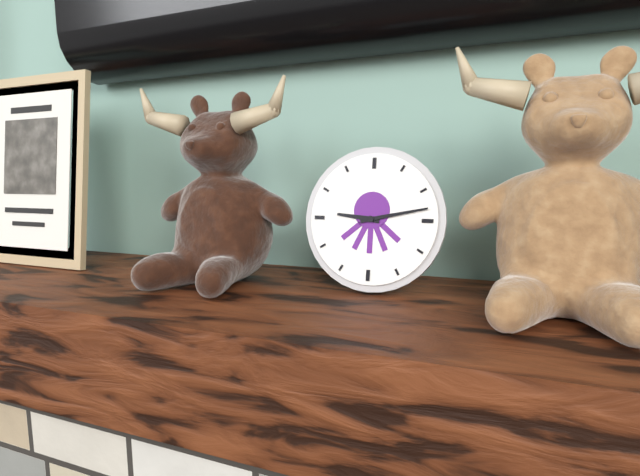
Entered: **9:13**
